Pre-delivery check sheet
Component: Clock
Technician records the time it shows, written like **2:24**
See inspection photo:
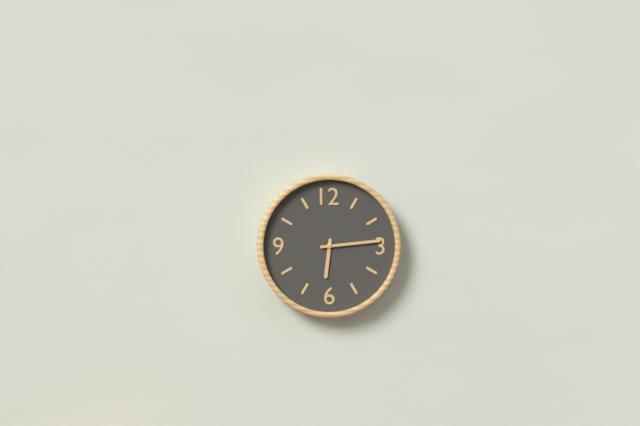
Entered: **6:14**
